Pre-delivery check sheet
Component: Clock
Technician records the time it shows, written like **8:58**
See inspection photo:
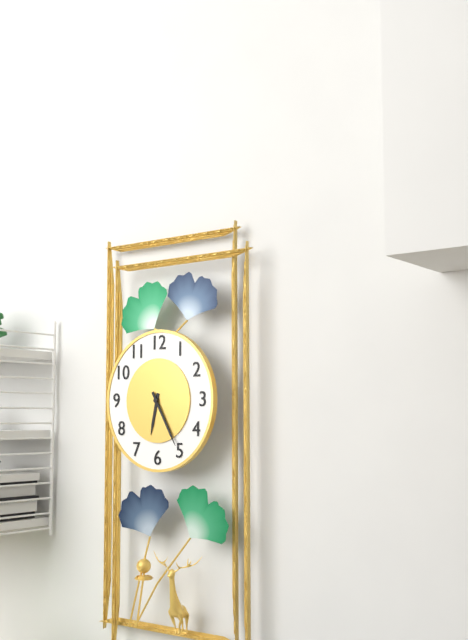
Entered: **6:25**
